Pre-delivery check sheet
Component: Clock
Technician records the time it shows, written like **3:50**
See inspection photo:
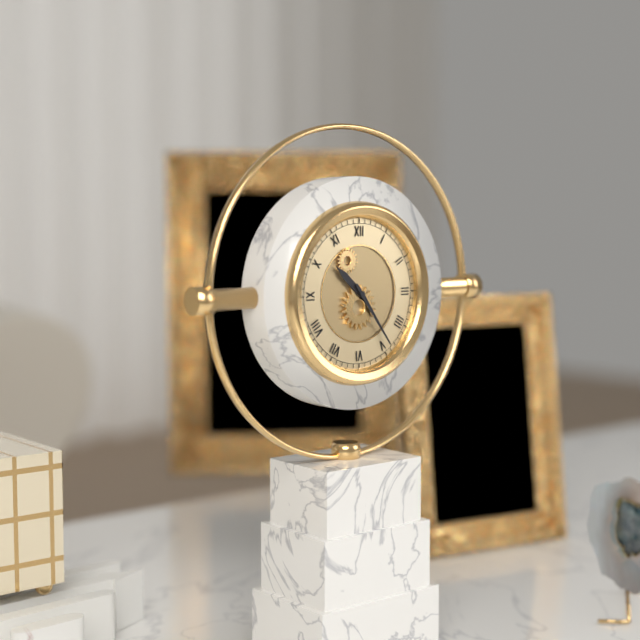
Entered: **10:24**
